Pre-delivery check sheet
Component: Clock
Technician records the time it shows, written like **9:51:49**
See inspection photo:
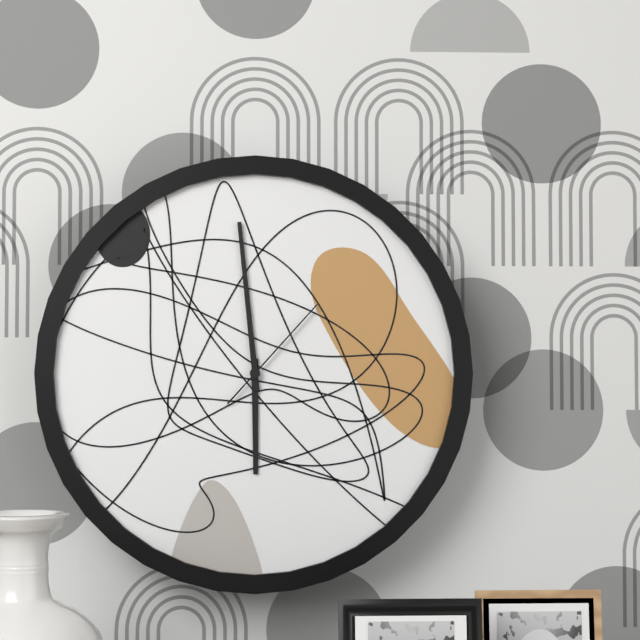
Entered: **5:59:07**
